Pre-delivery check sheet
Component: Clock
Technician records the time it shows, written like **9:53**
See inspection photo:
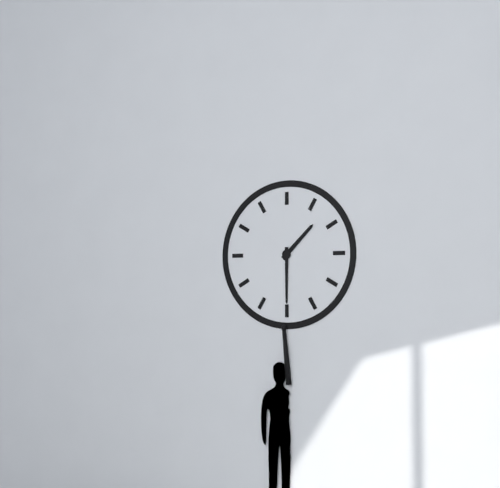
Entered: **1:30**
